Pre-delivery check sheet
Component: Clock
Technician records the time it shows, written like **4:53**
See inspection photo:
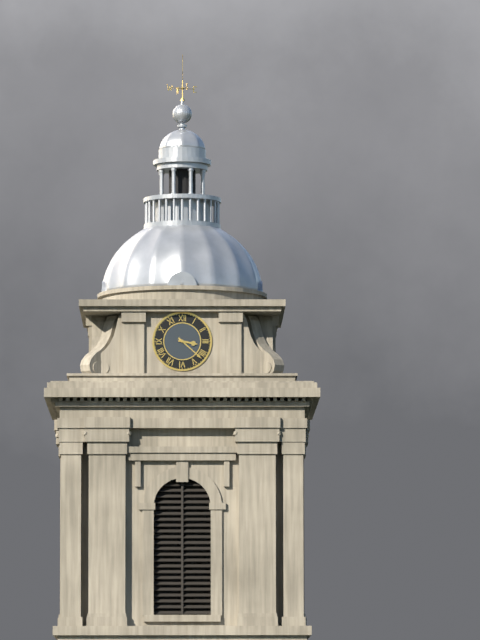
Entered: **3:22**
